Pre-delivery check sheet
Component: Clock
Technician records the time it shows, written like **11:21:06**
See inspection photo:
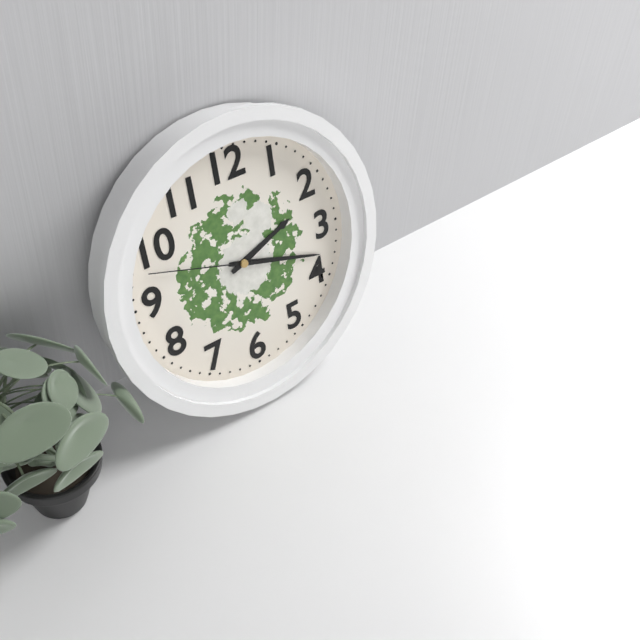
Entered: **2:18:48**
